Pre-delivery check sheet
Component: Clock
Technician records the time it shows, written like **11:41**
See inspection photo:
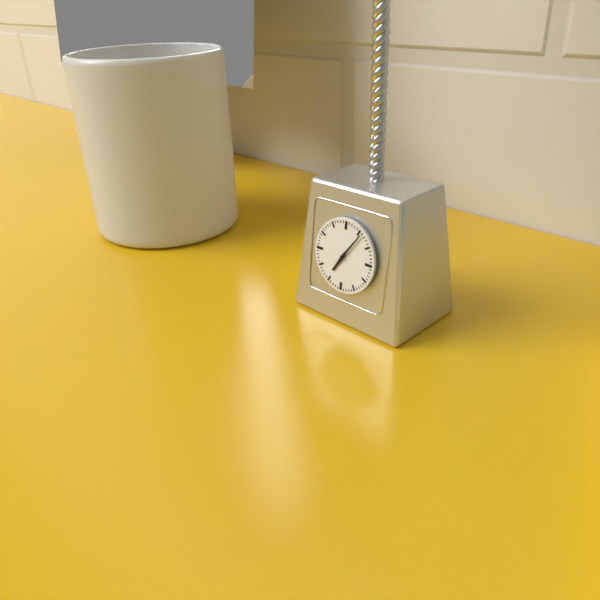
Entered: **7:06**
